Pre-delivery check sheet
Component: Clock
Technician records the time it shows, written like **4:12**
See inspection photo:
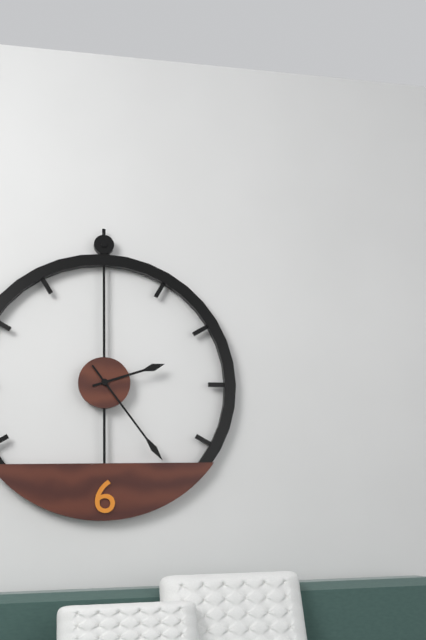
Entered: **2:24**
